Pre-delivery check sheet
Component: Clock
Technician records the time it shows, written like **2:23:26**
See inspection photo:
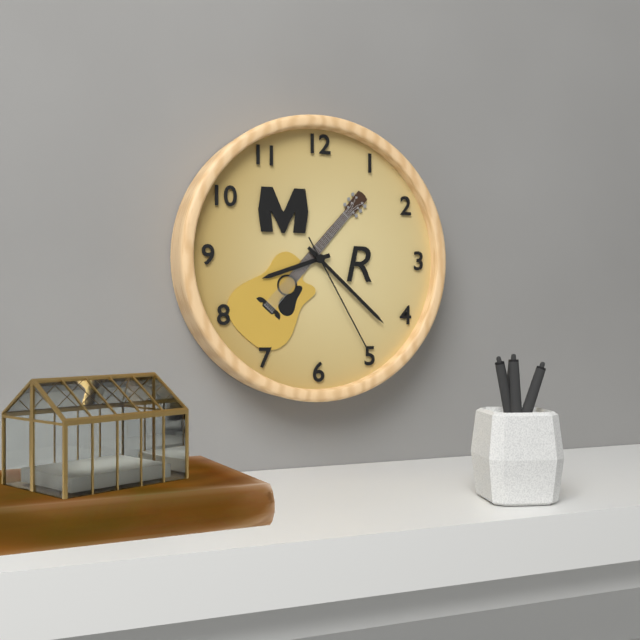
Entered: **8:22:25**
